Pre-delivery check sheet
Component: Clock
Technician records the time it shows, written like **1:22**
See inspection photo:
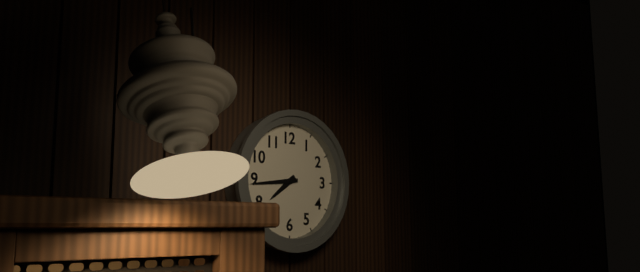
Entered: **7:44**
